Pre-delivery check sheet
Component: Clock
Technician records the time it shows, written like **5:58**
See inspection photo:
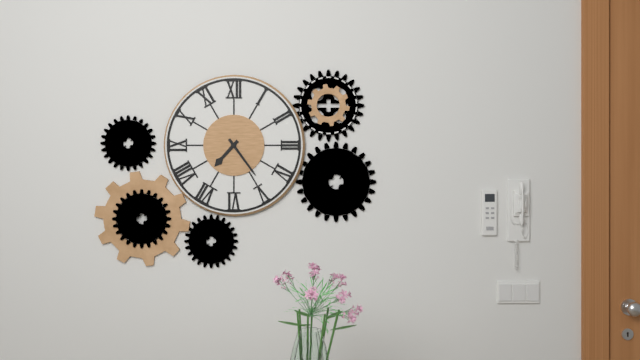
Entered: **7:24**
